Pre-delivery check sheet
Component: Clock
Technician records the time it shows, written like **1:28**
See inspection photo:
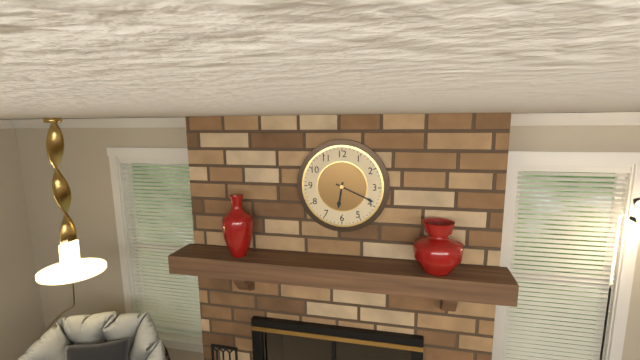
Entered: **6:19**
